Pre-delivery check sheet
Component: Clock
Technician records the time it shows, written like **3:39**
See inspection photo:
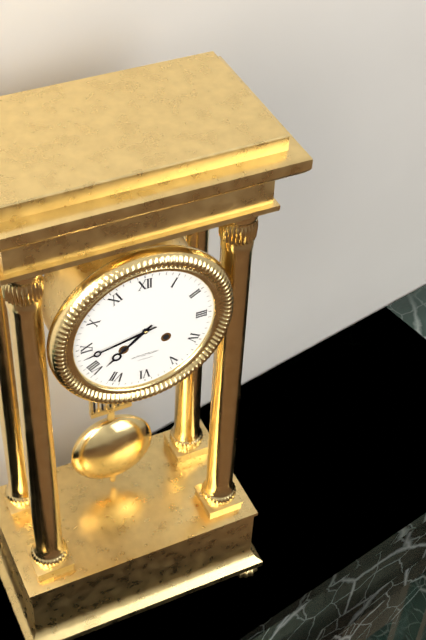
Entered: **7:43**
